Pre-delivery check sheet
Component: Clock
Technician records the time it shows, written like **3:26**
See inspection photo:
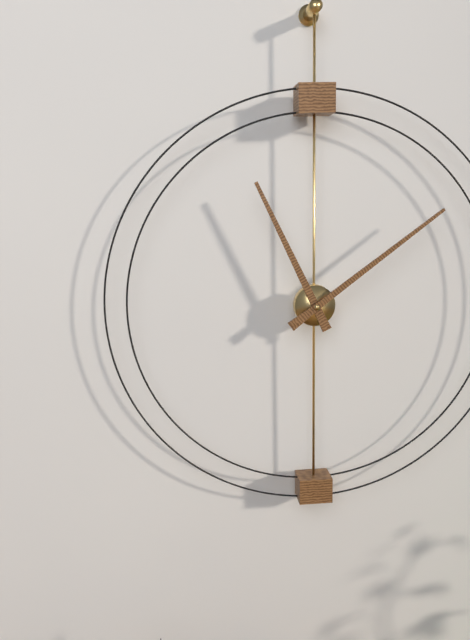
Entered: **11:09**
